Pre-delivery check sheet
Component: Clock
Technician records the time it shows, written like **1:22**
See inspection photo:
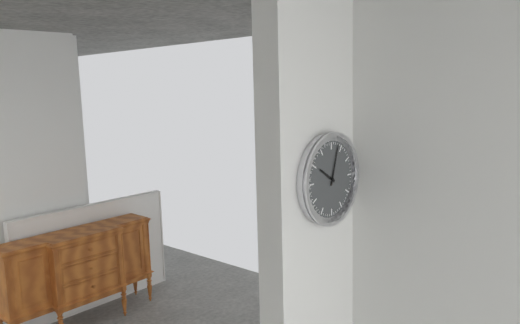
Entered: **10:03**
